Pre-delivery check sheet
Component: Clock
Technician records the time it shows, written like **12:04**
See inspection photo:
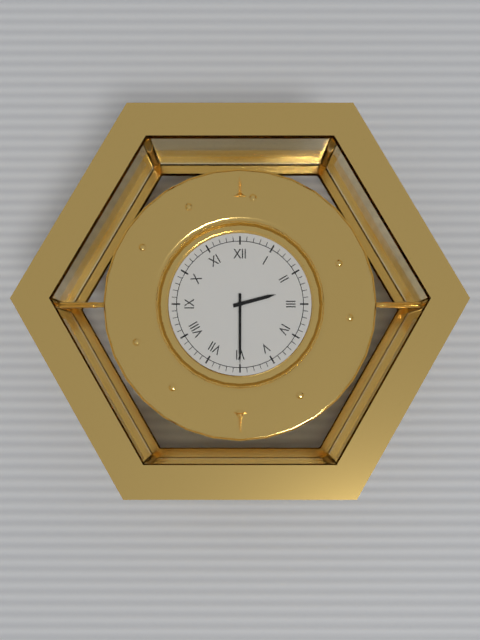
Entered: **2:30**
